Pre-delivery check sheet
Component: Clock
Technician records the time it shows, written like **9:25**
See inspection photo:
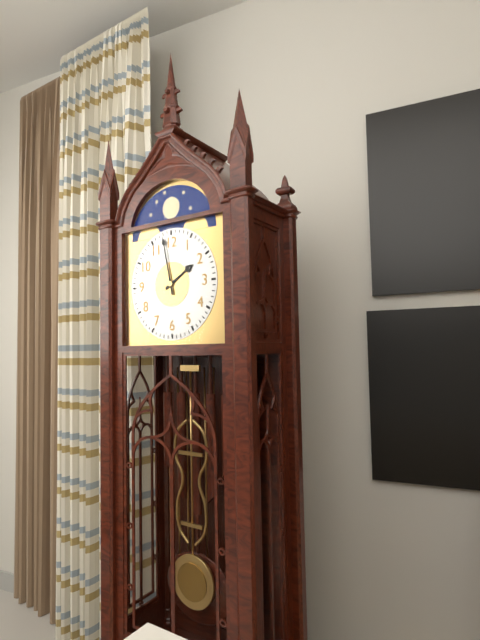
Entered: **1:58**
